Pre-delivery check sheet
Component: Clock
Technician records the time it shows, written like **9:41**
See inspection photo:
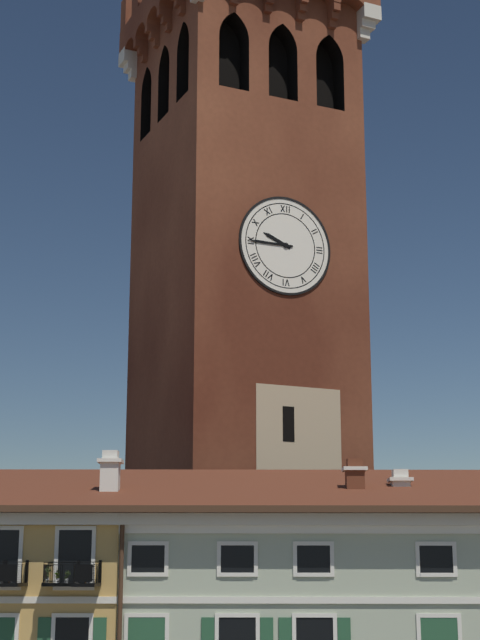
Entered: **9:45**
